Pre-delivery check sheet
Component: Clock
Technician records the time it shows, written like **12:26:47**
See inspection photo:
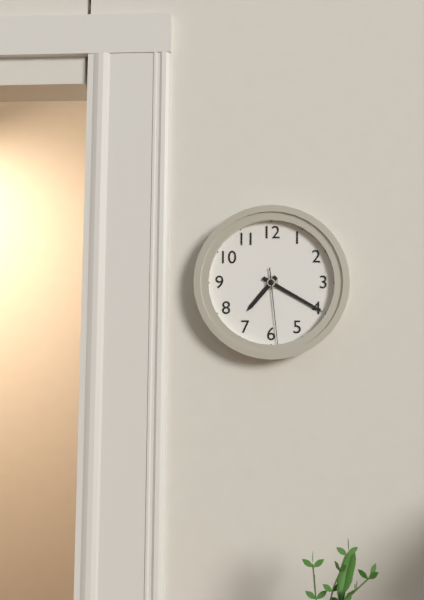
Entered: **7:20:29**
